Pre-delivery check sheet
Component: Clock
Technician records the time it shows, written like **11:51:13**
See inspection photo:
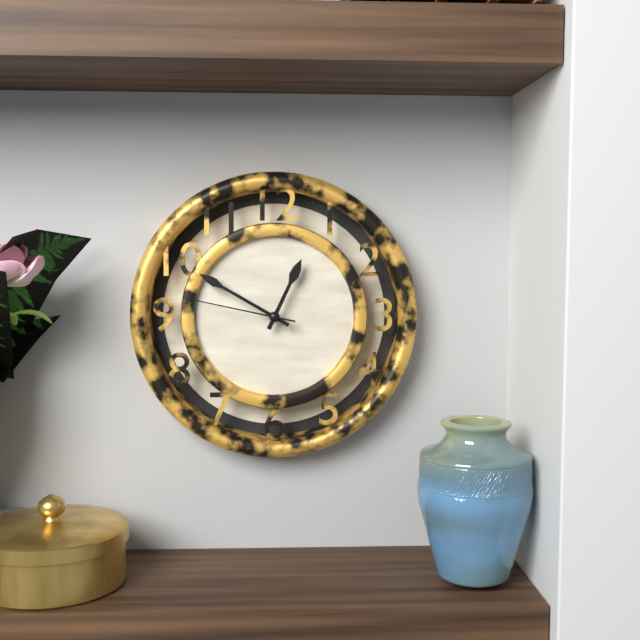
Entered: **12:50:47**
